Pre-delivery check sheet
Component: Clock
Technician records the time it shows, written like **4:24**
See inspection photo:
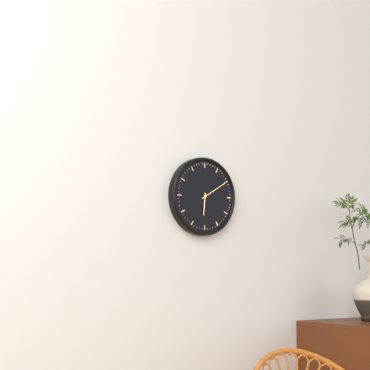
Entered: **6:10**
